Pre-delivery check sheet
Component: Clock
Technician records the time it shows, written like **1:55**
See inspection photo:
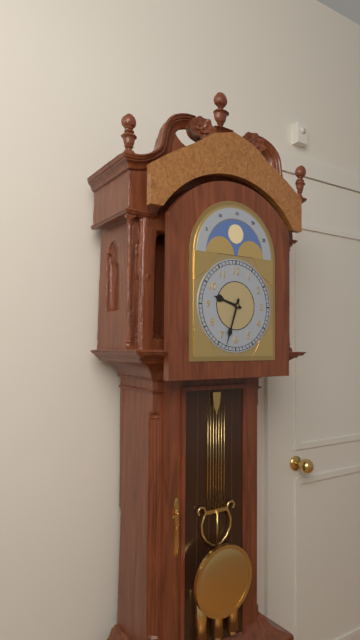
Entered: **9:33**
